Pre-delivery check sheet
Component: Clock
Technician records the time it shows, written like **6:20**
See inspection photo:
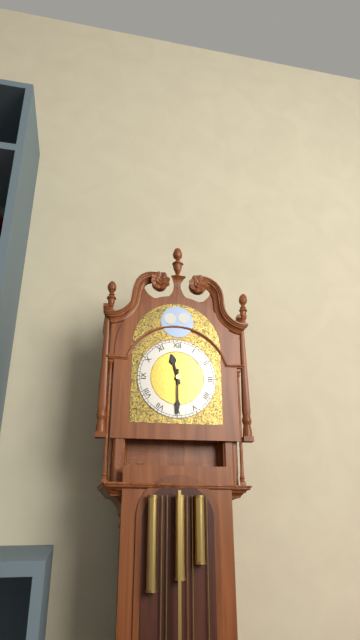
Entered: **11:30**
